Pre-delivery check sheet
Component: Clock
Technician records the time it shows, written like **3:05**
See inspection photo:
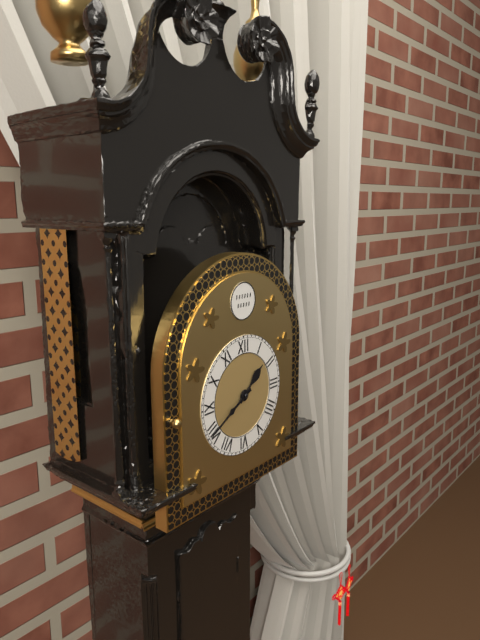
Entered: **1:40**
